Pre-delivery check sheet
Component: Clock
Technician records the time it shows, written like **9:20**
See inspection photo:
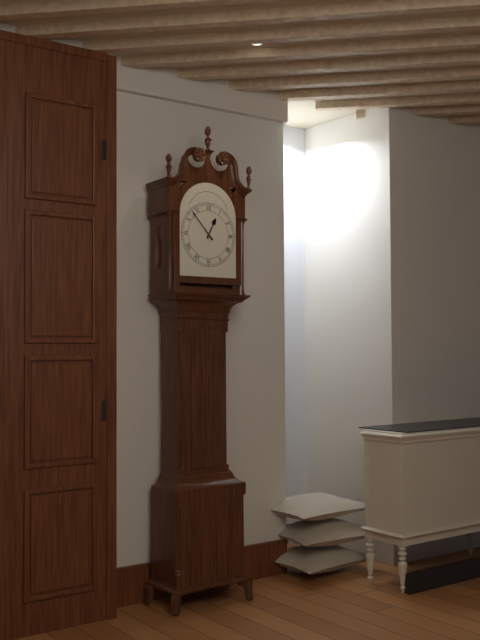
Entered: **12:53**
